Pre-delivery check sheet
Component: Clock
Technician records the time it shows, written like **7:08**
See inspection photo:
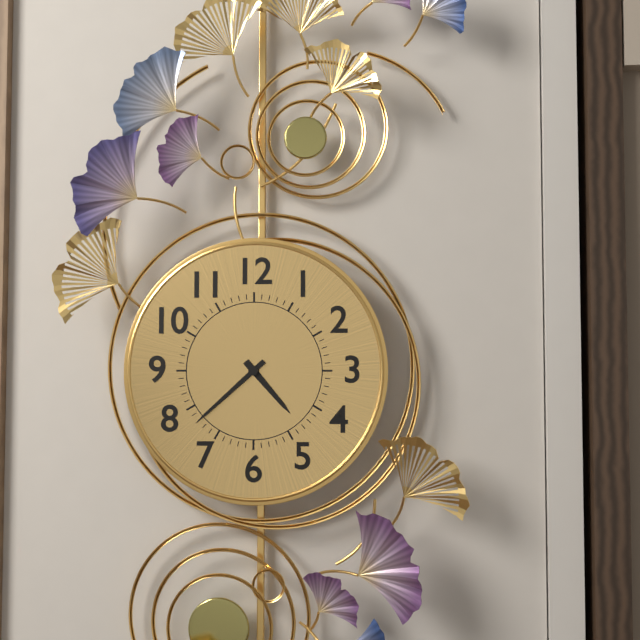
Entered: **4:38**
